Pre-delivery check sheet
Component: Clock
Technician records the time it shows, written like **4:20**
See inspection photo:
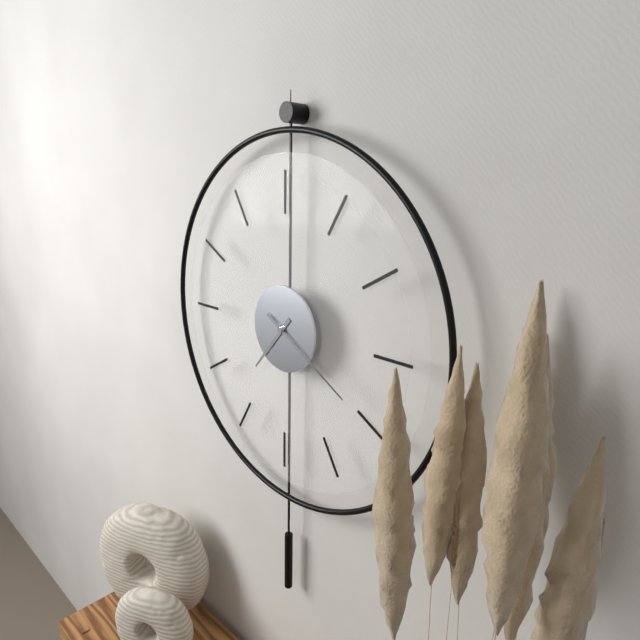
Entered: **7:20**
